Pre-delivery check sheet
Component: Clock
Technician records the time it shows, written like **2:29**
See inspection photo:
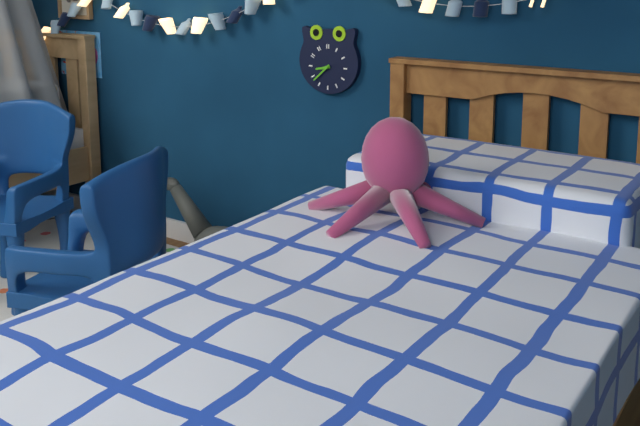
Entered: **8:38**
